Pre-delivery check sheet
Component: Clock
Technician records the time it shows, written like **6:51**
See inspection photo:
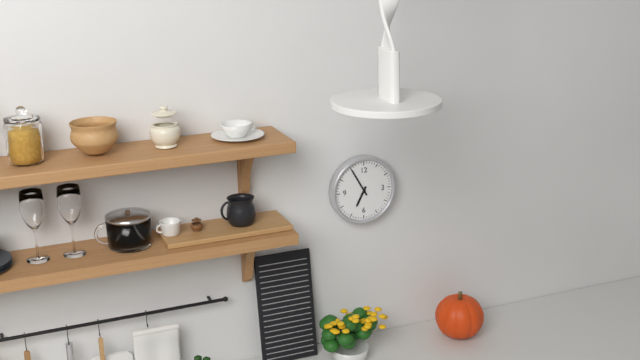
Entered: **6:55**
